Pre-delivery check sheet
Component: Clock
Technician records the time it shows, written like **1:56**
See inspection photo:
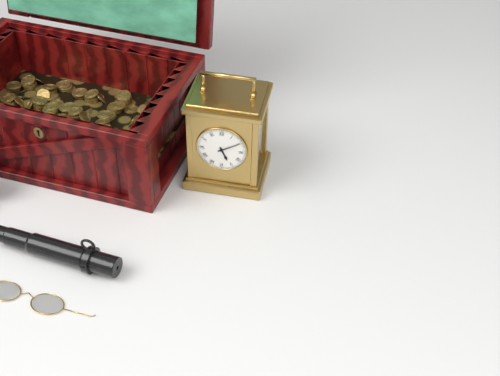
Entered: **5:10**
